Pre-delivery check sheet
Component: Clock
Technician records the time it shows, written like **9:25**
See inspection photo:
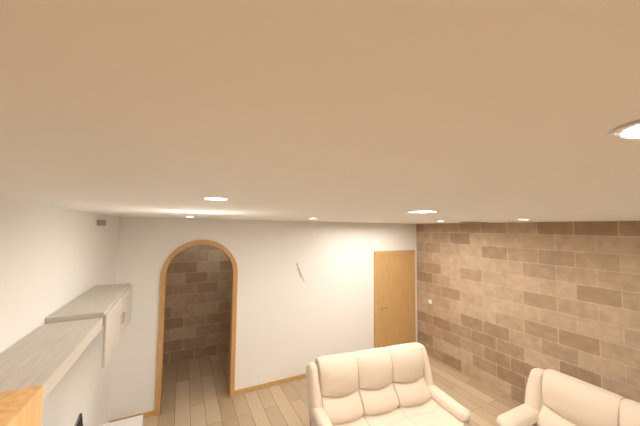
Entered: **5:26**
